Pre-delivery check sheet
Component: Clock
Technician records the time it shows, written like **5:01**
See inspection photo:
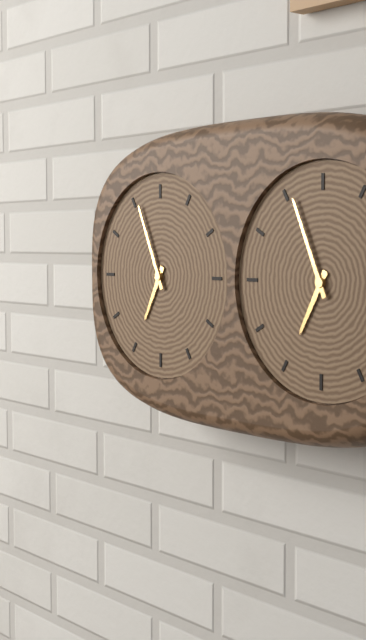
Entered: **6:56**
